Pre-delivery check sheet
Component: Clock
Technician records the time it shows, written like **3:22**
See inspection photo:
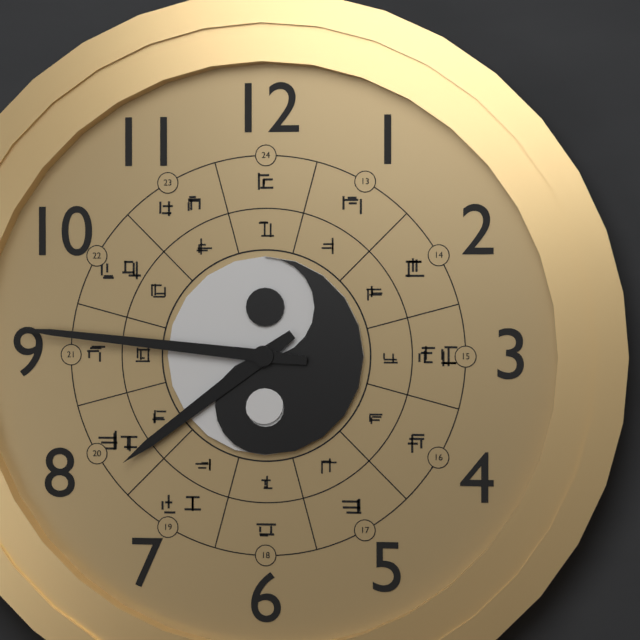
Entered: **7:46**
